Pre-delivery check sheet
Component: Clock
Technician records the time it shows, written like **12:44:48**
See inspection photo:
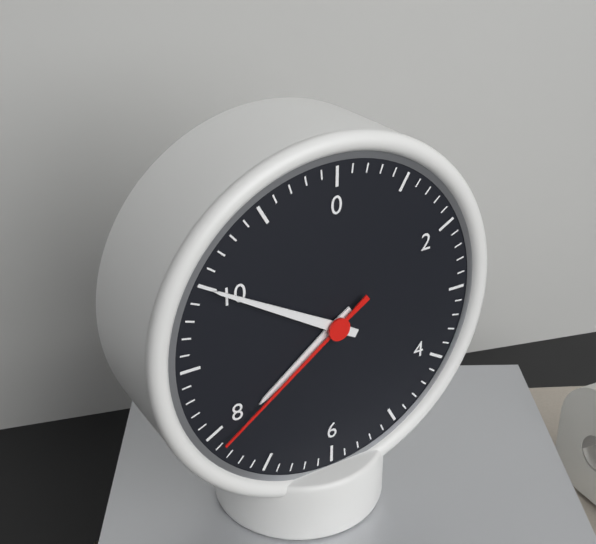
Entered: **7:50:39**
